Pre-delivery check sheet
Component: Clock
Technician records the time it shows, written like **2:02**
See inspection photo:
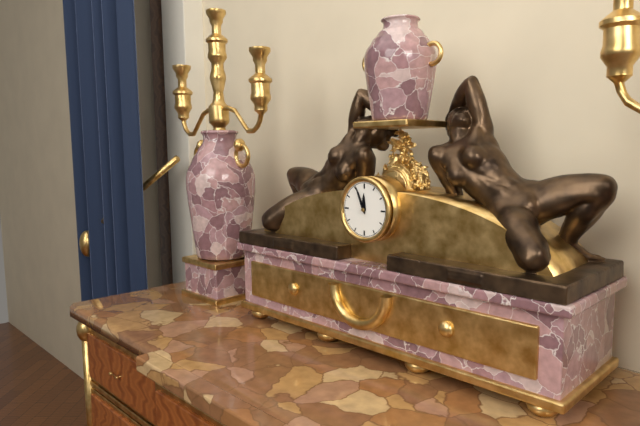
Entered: **11:56**
